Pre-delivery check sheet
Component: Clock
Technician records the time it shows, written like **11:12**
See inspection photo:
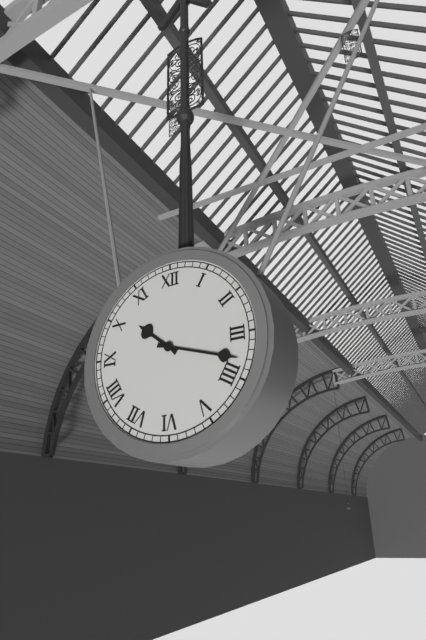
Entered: **10:18**
